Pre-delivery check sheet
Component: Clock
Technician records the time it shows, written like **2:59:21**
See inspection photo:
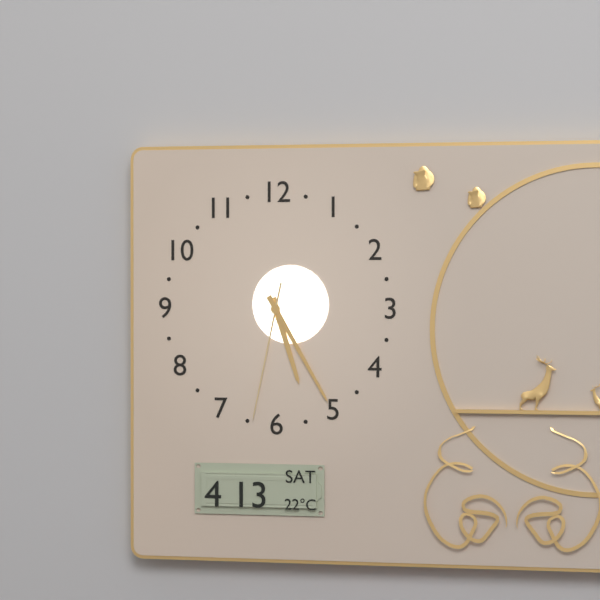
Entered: **5:25:32**
